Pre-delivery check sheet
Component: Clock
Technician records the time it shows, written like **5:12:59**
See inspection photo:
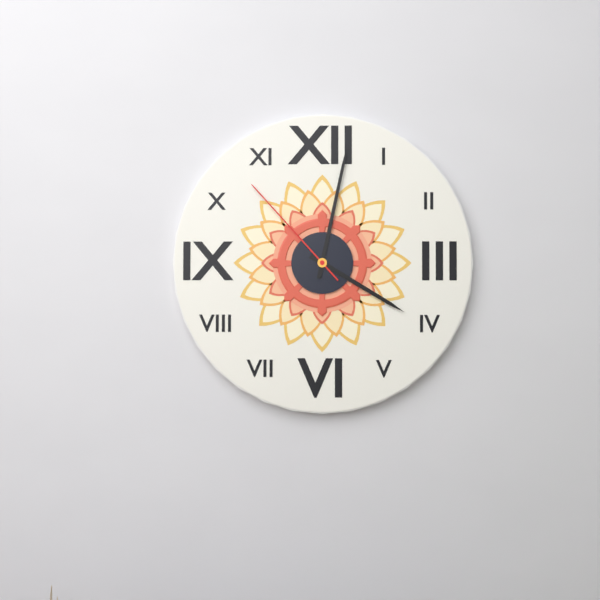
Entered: **4:02:53**
